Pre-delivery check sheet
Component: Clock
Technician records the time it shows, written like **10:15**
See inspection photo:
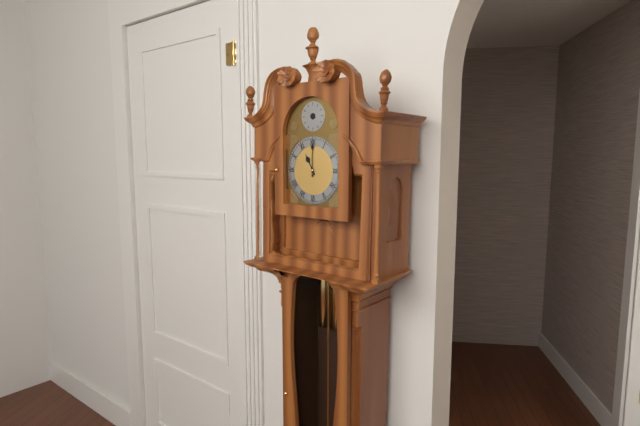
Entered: **11:00**
